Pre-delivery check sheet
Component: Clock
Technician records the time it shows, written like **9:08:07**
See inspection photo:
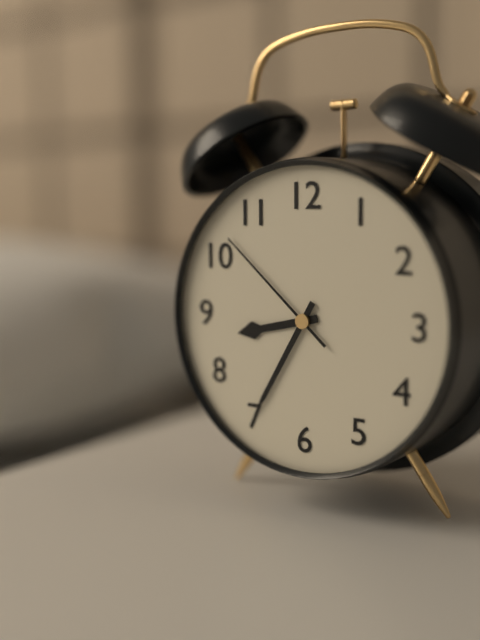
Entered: **8:35:52**
